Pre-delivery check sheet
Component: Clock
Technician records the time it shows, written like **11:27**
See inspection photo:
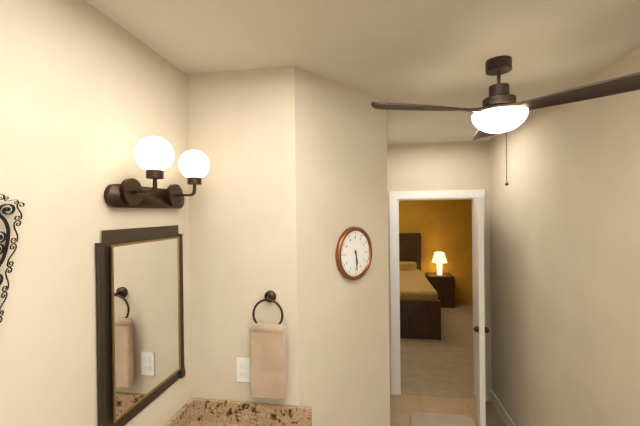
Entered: **5:29**
